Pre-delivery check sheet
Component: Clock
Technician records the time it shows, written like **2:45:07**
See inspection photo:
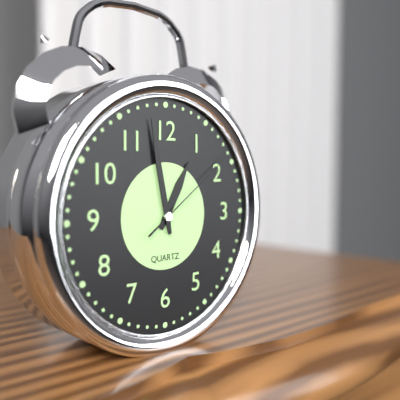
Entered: **12:58:09**
